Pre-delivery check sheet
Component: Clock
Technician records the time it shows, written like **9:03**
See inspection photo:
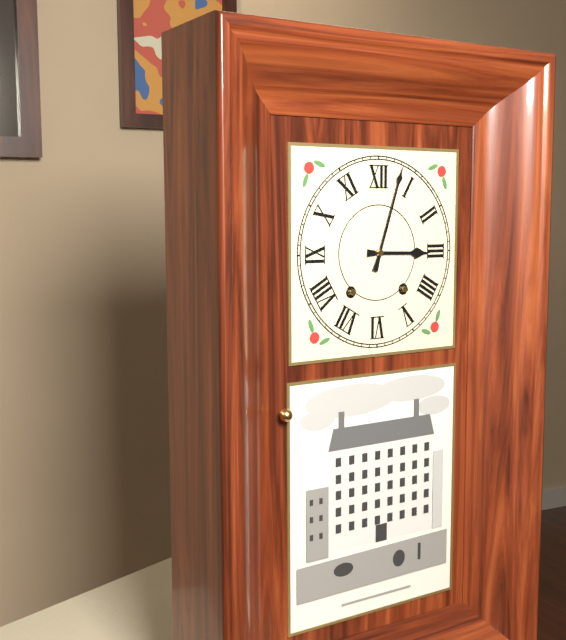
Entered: **3:03**
